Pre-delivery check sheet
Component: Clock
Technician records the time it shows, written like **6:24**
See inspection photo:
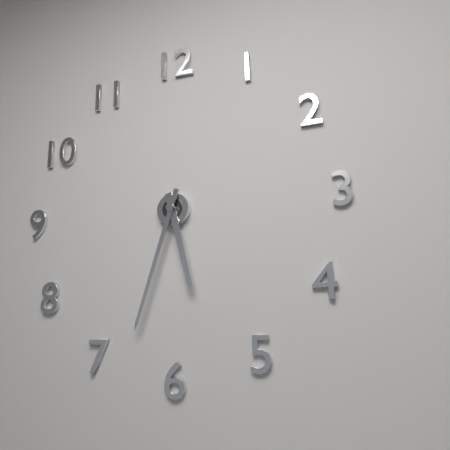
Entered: **5:33**
